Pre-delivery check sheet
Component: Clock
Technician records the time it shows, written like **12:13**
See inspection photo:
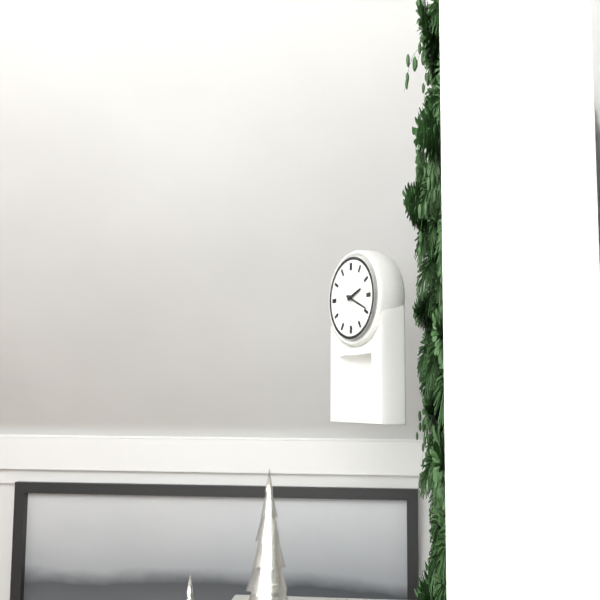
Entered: **2:19**
